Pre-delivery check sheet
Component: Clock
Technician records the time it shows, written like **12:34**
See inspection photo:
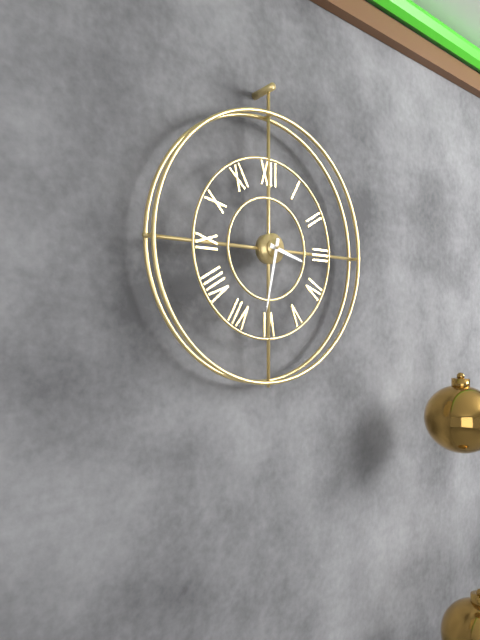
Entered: **3:32**
